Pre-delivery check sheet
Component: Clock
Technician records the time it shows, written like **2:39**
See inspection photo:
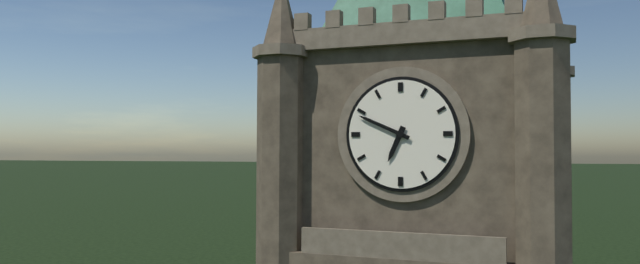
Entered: **6:49**
